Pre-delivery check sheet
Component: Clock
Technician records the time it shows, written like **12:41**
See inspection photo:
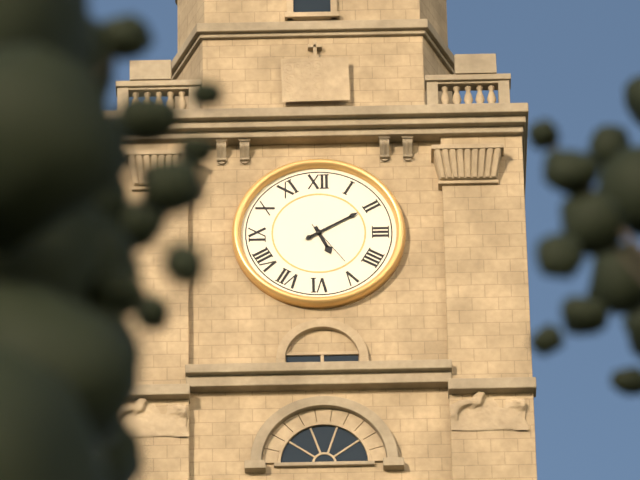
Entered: **5:10**
